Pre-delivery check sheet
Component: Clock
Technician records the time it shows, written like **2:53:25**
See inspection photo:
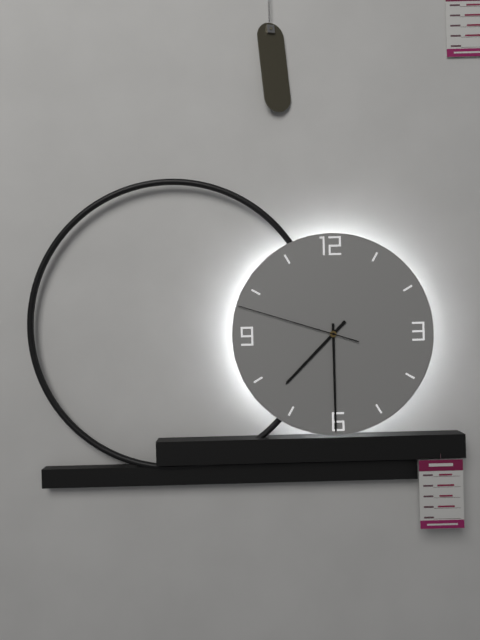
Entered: **7:30:48**
